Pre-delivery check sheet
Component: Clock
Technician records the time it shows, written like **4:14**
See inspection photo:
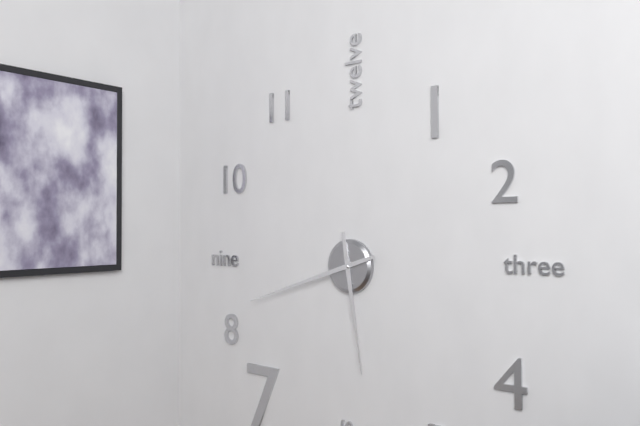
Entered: **5:42**
